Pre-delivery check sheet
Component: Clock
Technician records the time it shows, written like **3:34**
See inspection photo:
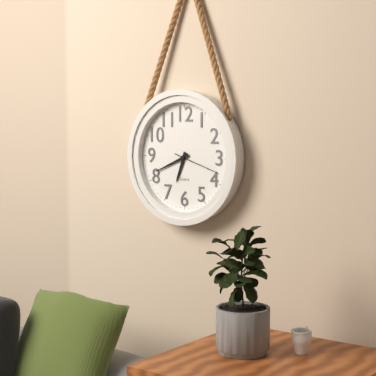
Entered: **6:41**
